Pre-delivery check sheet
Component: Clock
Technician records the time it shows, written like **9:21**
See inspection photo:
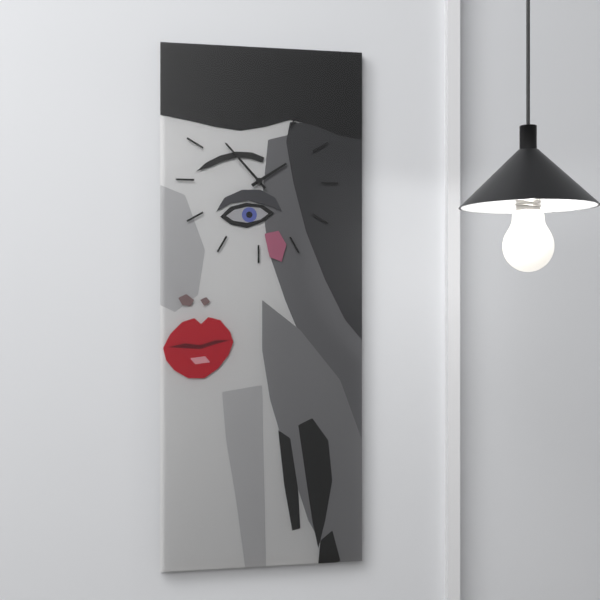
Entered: **1:53**
